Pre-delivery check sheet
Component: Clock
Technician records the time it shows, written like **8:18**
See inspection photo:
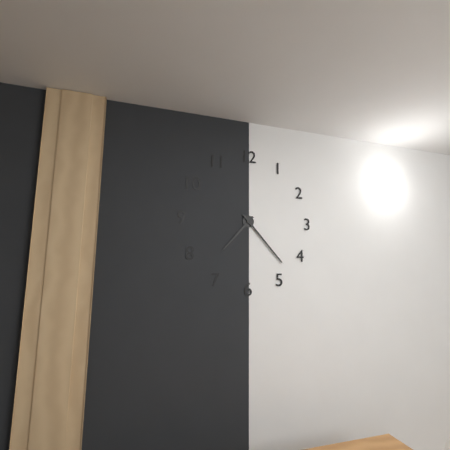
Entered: **7:23**
